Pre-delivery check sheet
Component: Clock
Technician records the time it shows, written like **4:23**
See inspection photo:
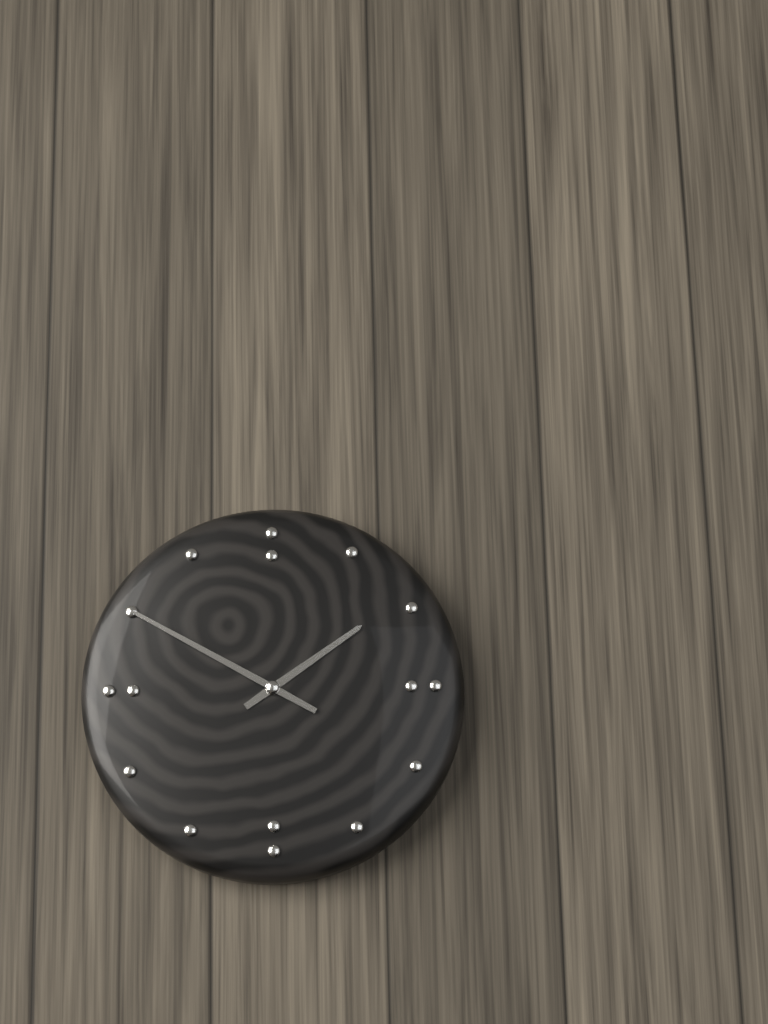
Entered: **1:50**
